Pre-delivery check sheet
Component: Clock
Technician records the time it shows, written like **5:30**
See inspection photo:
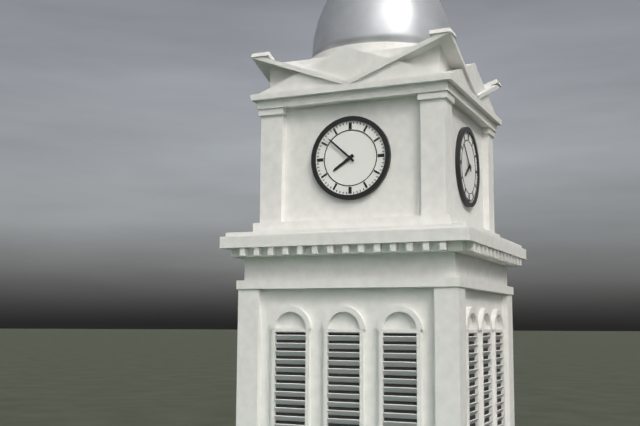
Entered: **7:52**
